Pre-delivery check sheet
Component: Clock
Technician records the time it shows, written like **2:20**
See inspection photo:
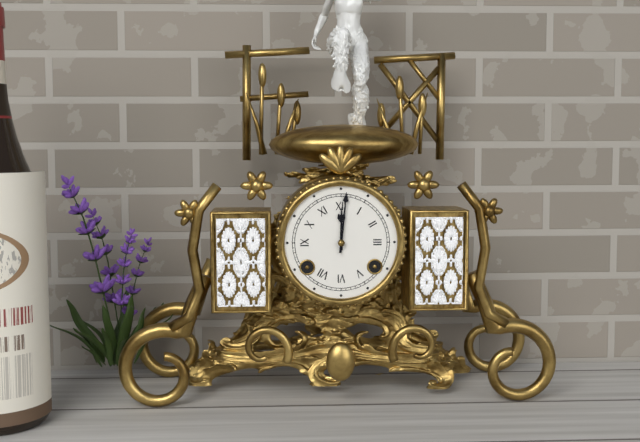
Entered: **12:01**
